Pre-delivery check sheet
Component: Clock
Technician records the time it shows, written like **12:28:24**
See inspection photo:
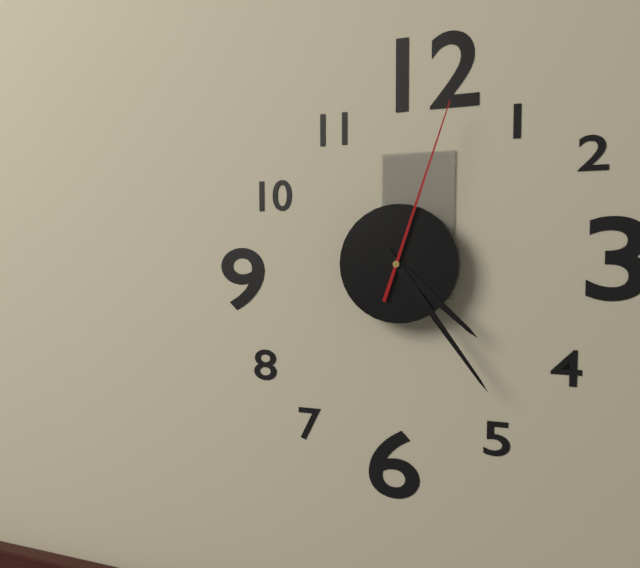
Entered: **4:24:03**
